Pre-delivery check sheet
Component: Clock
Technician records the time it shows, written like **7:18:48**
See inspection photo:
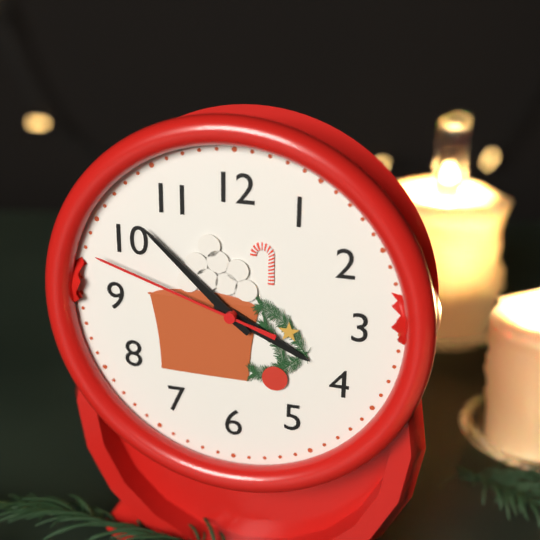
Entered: **3:52:48**
